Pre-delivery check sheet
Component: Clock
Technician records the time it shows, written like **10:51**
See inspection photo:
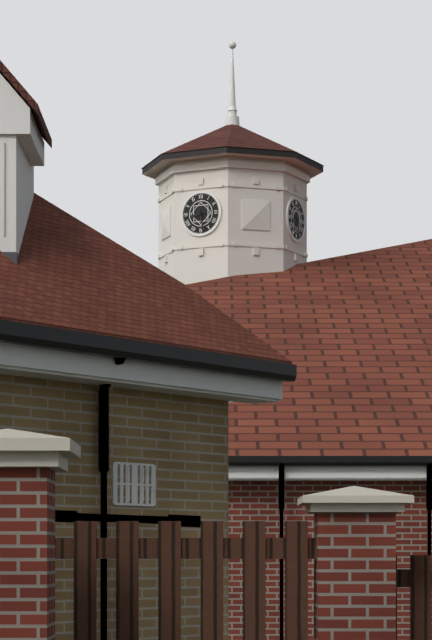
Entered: **8:28**
